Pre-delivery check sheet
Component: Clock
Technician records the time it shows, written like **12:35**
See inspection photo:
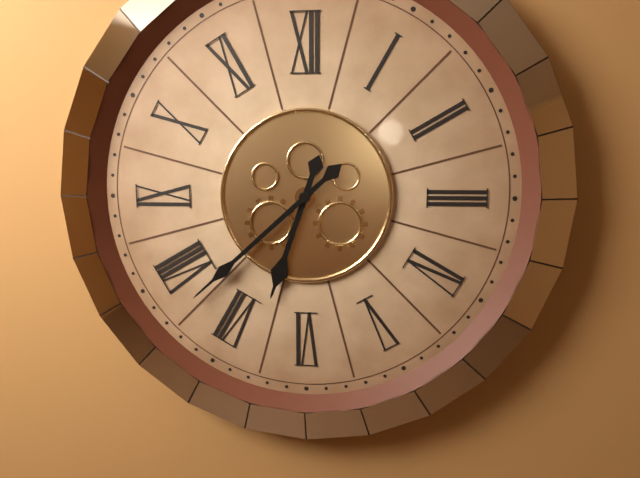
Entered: **6:38**
